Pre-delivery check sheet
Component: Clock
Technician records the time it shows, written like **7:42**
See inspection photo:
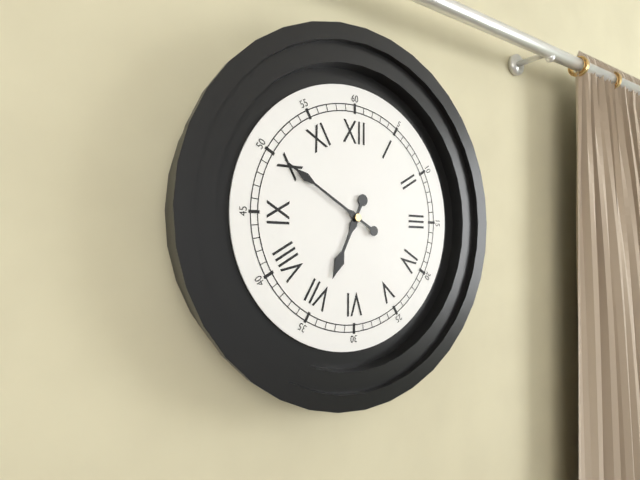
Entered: **6:50**
